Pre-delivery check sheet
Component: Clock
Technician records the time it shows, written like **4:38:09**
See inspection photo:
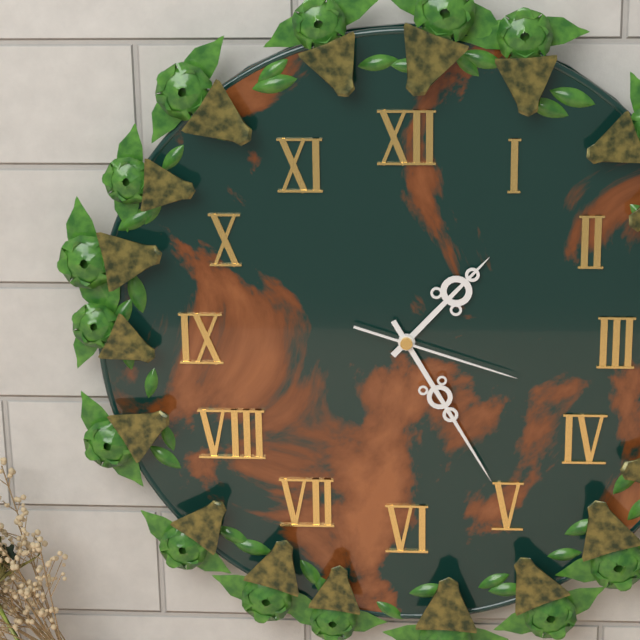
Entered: **1:25:18**
